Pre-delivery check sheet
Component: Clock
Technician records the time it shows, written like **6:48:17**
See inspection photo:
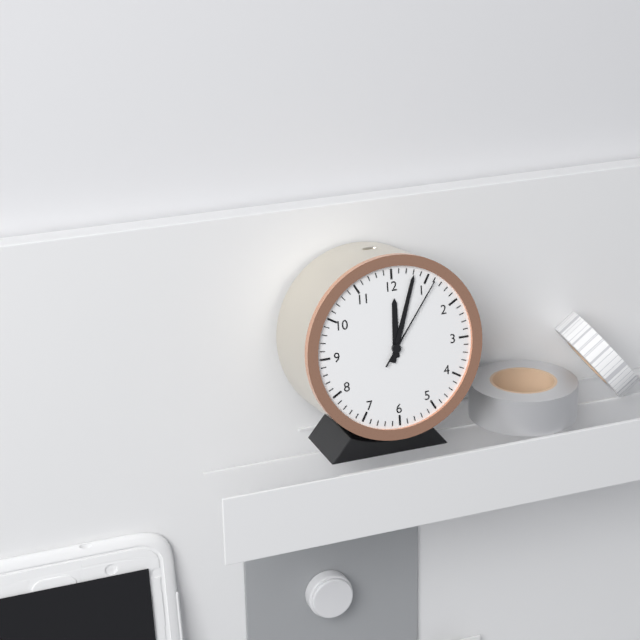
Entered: **12:03:06**
